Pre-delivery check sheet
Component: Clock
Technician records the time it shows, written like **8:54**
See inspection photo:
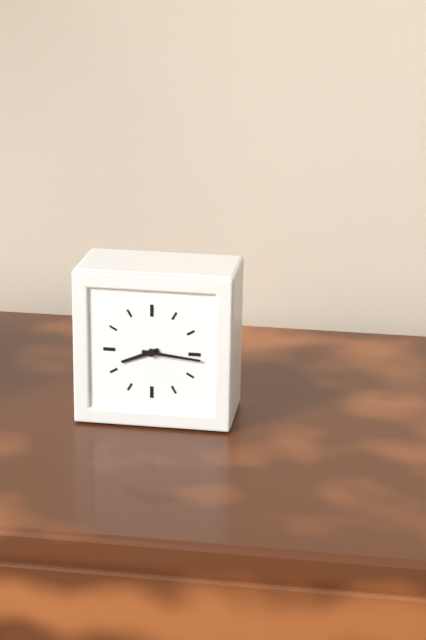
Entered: **8:16**
